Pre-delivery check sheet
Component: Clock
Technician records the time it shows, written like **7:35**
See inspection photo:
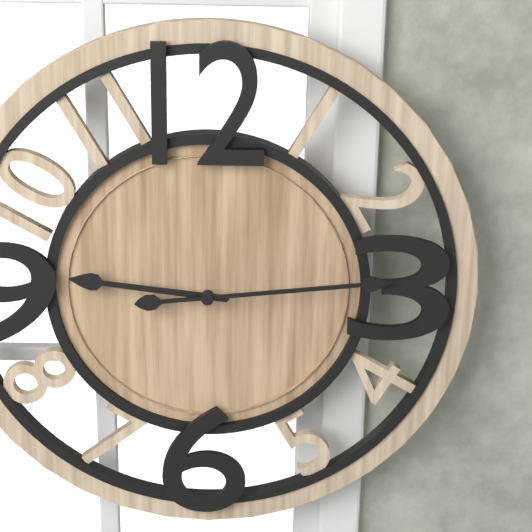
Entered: **9:14**
